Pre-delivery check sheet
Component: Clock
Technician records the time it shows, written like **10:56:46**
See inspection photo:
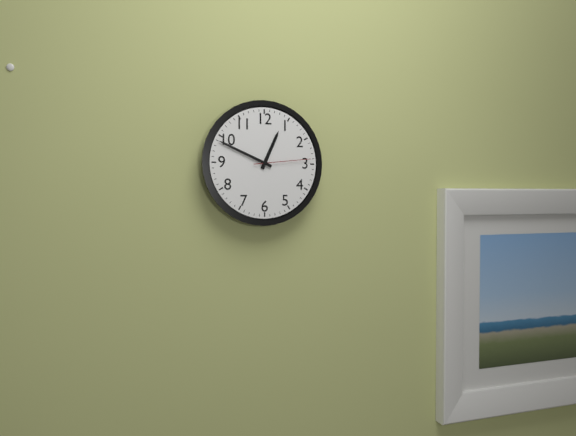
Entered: **12:49:14**
